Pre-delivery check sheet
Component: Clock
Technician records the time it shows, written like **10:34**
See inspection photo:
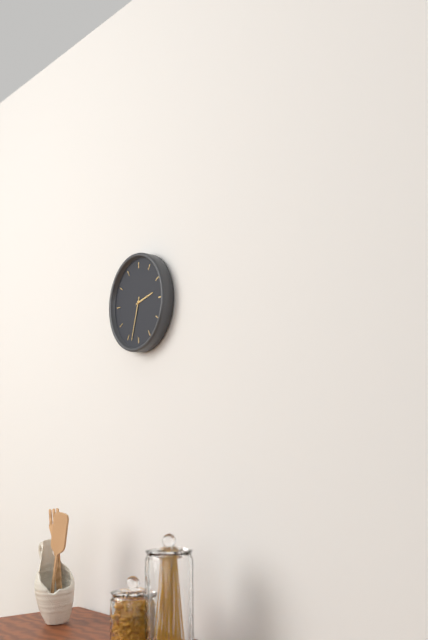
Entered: **2:33**
